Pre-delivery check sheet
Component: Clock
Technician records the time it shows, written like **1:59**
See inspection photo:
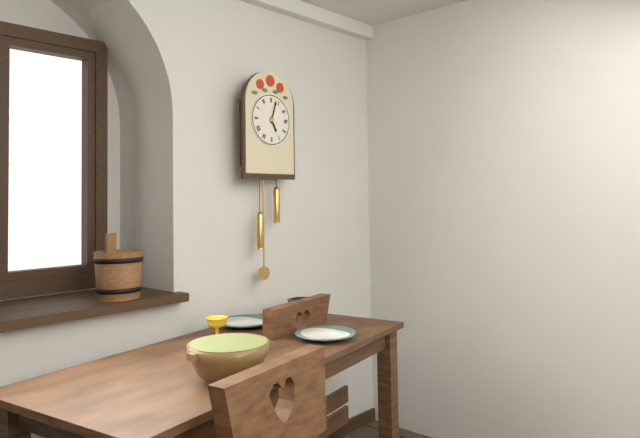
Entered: **5:03**
